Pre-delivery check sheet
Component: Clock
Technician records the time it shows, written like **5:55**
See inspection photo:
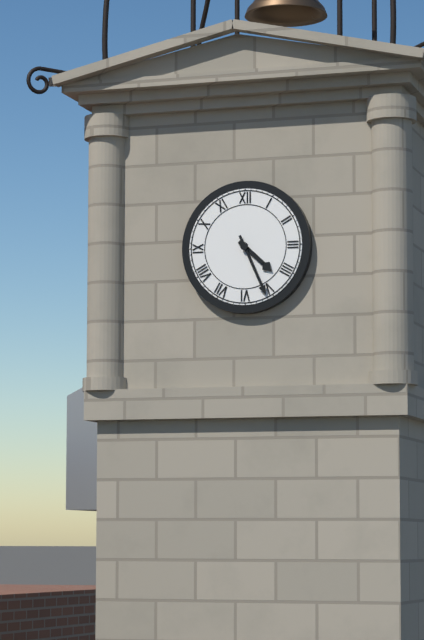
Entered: **4:26**
